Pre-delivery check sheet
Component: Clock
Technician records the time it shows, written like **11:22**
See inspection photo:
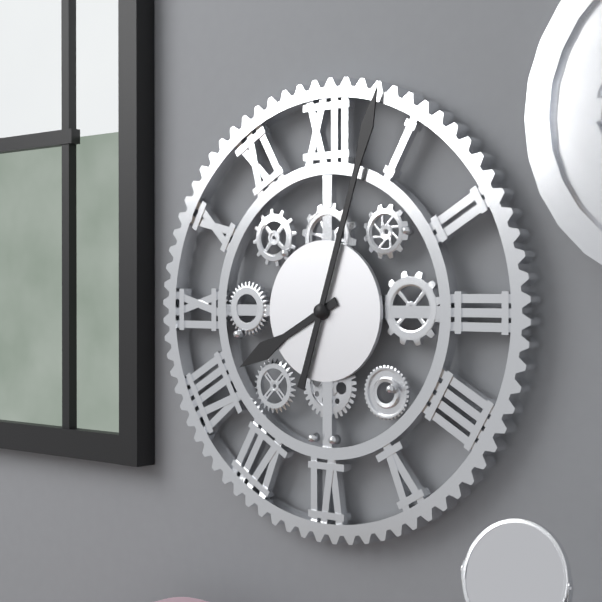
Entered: **8:03**
